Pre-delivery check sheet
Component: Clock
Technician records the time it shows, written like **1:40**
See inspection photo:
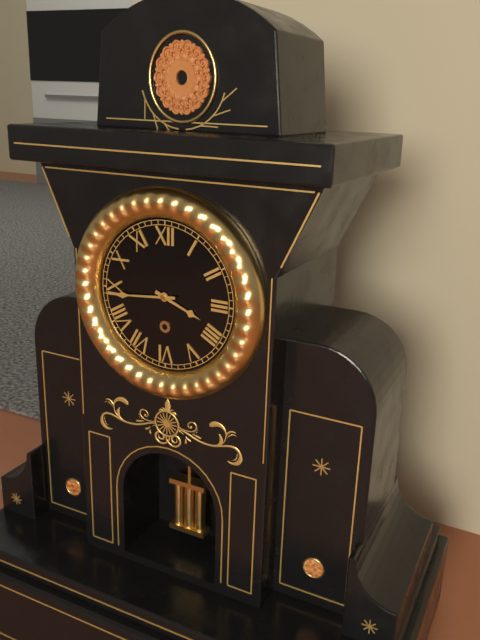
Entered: **3:44**
